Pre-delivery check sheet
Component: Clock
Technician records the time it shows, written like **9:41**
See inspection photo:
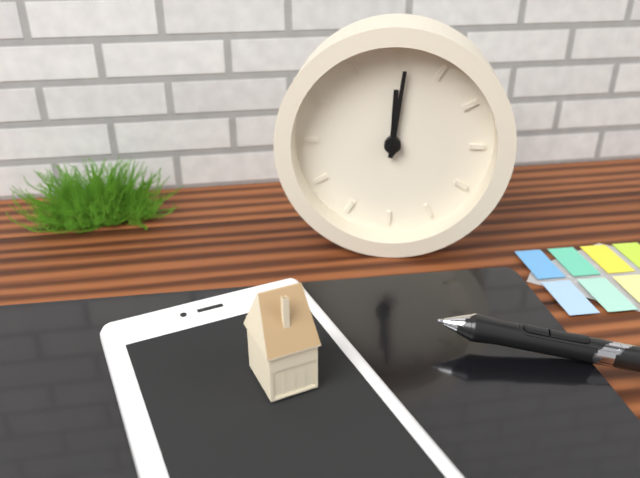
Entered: **12:01**
